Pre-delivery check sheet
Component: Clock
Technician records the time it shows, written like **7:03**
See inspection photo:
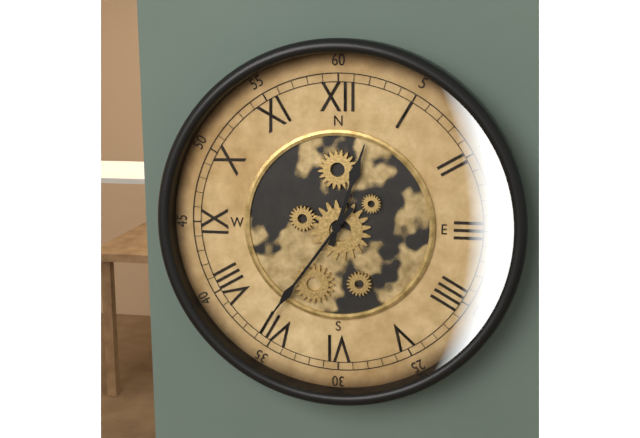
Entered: **12:36**
